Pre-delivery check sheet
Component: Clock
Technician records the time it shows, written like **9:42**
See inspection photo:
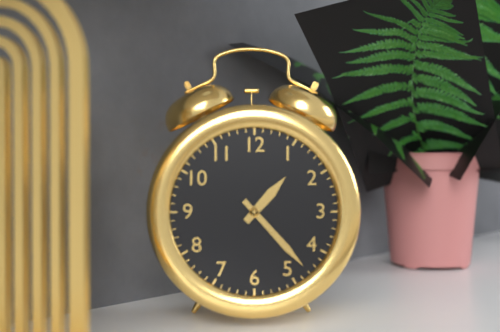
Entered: **1:23**
